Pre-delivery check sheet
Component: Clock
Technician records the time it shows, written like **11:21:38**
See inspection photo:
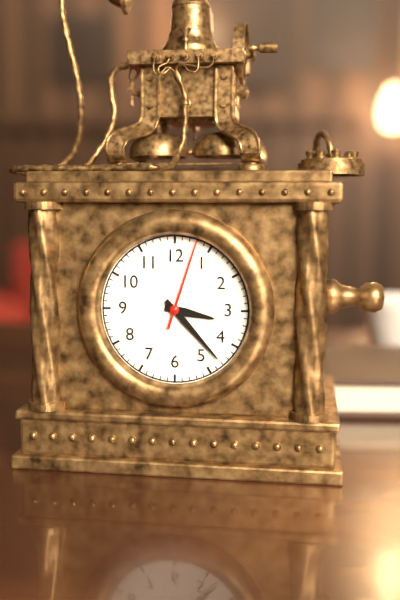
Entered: **3:23:03**
